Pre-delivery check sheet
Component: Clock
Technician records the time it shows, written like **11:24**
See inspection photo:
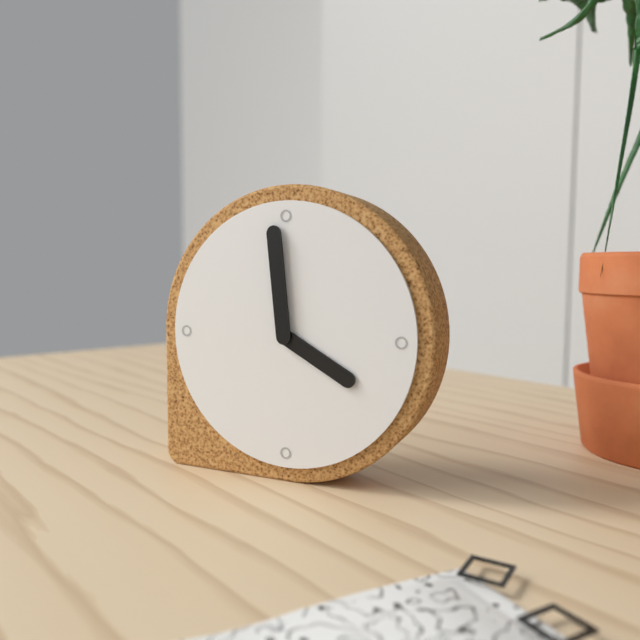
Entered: **3:59**
